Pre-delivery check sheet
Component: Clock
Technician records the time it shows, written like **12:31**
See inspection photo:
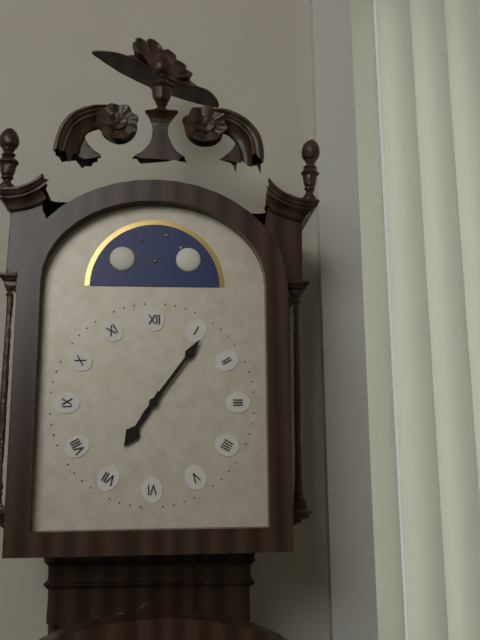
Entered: **7:06**
